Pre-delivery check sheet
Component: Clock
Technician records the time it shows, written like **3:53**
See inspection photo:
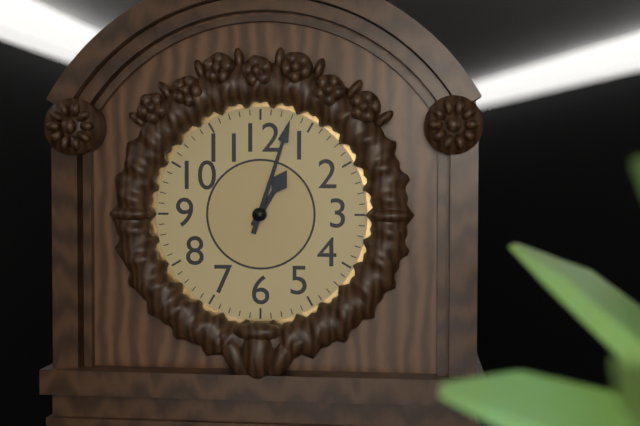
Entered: **1:03**
